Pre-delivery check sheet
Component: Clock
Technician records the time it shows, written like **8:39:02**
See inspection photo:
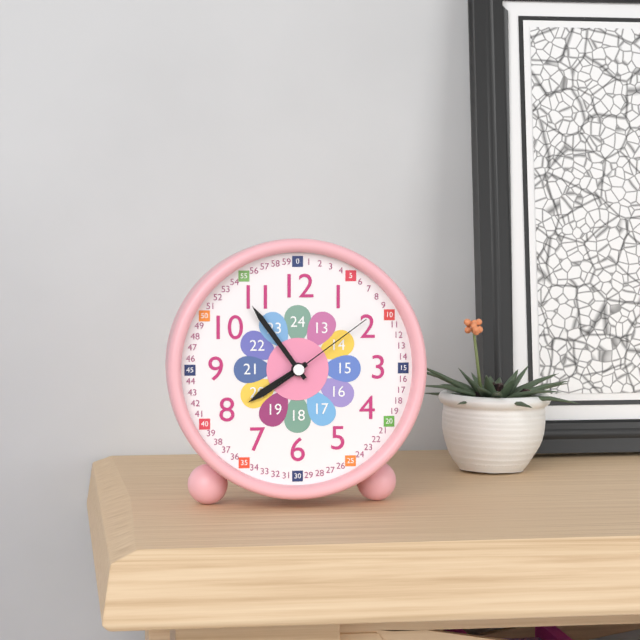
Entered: **7:54:09**
